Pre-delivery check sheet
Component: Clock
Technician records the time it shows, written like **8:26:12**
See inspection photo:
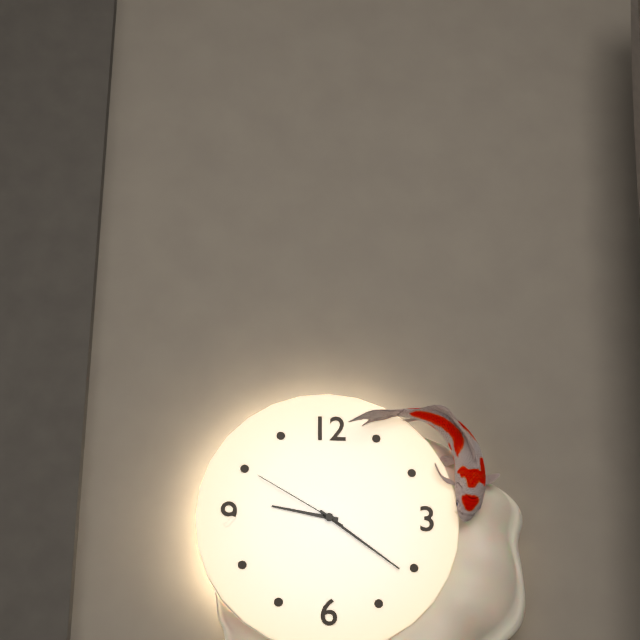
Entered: **9:21:50**
